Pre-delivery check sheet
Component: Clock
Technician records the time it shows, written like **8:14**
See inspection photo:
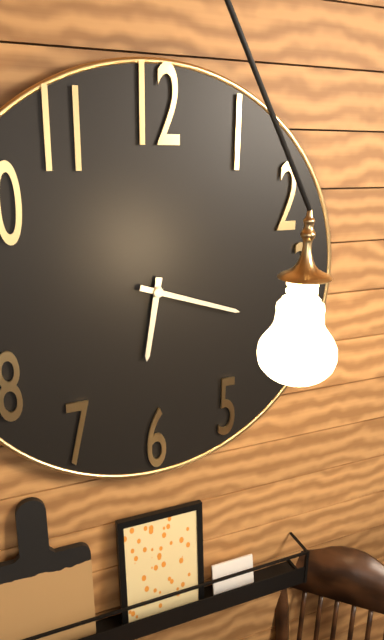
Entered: **6:18**
